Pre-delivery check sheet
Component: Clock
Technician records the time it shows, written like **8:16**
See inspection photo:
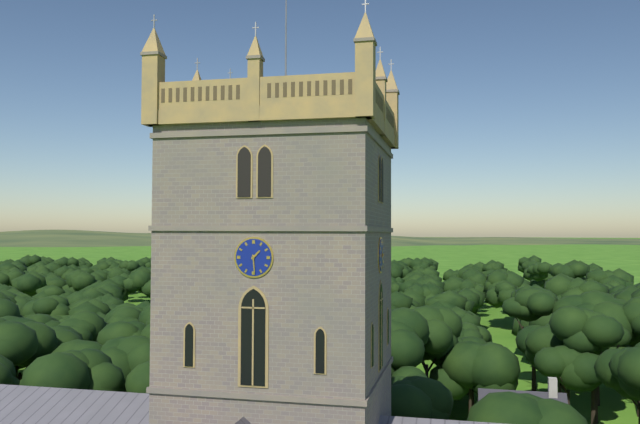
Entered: **1:29**
